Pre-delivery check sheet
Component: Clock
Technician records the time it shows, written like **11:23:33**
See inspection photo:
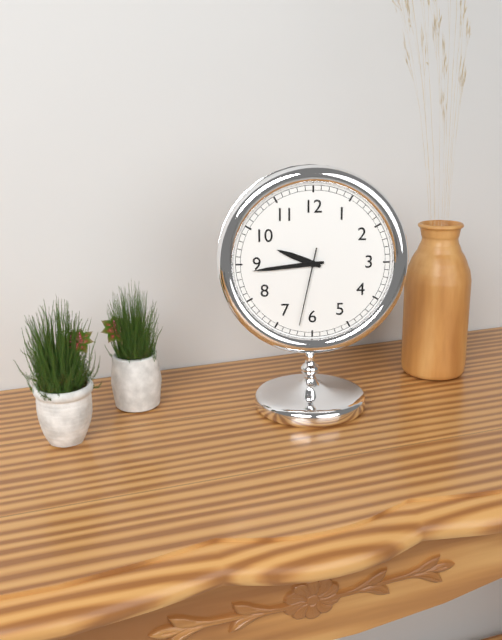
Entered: **9:44:32**
